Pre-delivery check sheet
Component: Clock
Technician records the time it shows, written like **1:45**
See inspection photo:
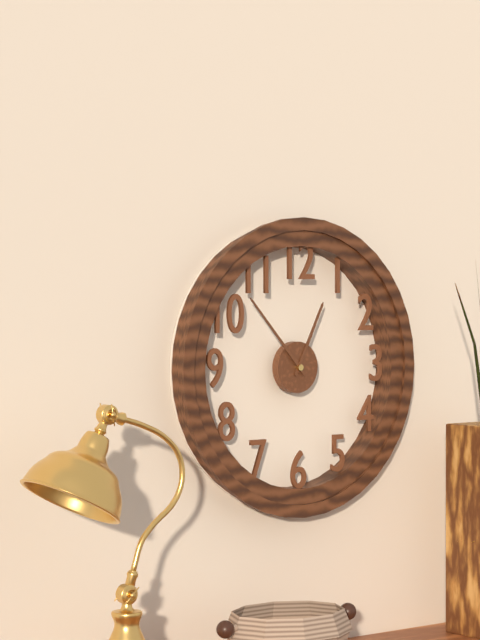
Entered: **12:53**
